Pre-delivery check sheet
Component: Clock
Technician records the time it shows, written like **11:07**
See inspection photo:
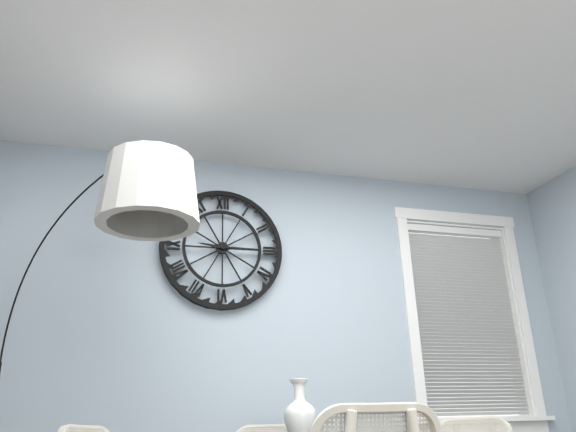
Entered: **9:15**
